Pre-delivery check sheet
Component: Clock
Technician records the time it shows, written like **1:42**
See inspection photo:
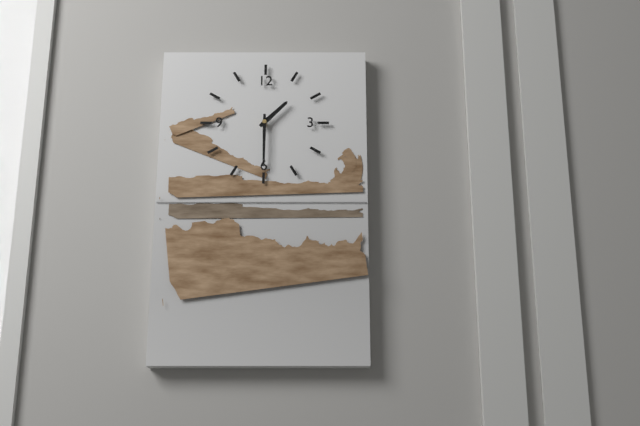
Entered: **1:30**
